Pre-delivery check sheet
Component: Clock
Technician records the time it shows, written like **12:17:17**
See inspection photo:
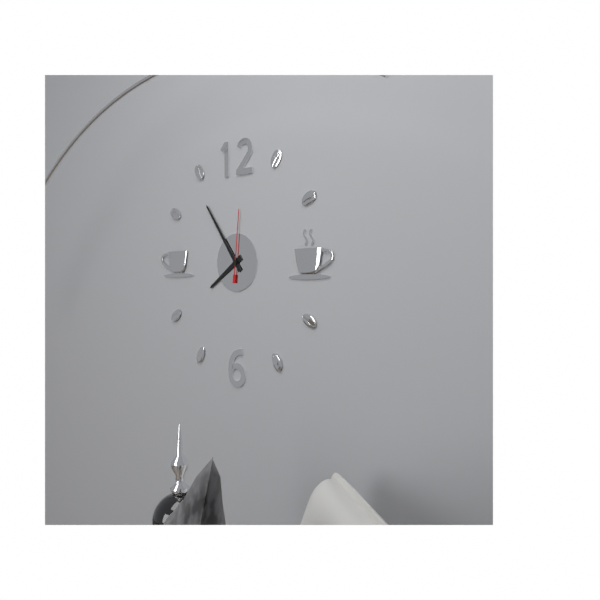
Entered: **7:54:01**
